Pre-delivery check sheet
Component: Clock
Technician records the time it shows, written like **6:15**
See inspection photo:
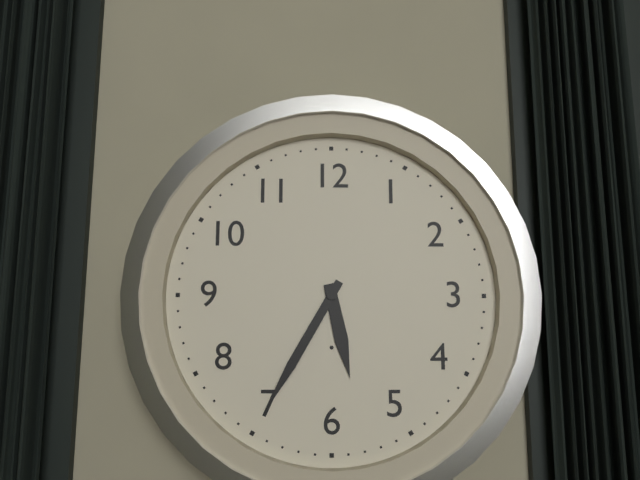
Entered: **5:35**
